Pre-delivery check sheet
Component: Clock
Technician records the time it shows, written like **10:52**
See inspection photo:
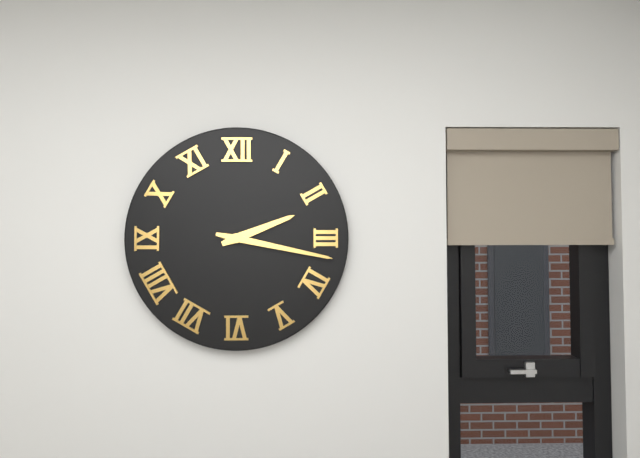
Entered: **2:17**
